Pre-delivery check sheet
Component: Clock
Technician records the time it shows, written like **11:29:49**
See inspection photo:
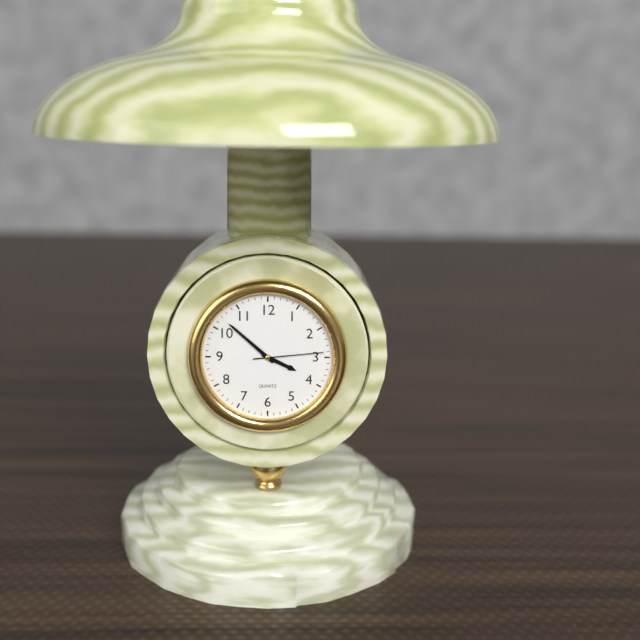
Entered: **3:52:14**
